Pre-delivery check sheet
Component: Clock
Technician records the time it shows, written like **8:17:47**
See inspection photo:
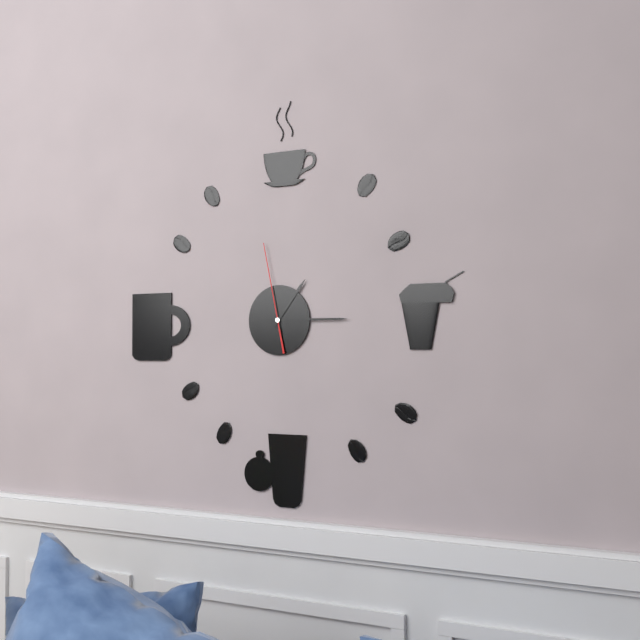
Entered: **1:15:58**
